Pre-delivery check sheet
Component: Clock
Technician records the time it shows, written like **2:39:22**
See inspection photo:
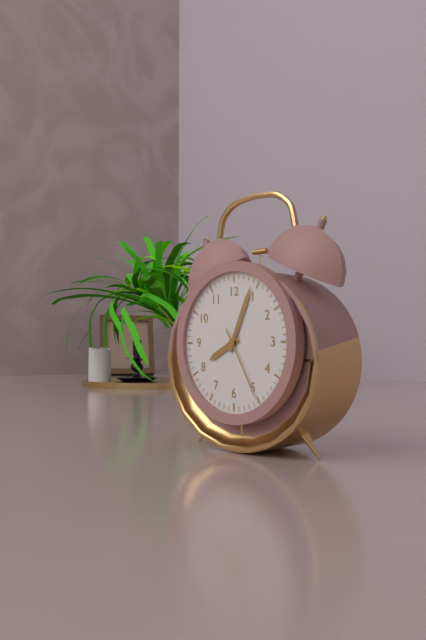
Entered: **8:04:25**
